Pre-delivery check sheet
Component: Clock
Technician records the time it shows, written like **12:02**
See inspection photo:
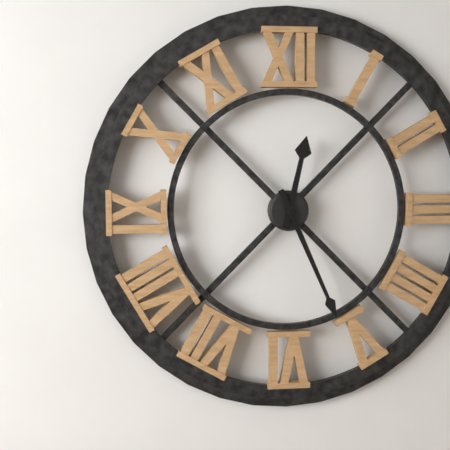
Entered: **12:26**
